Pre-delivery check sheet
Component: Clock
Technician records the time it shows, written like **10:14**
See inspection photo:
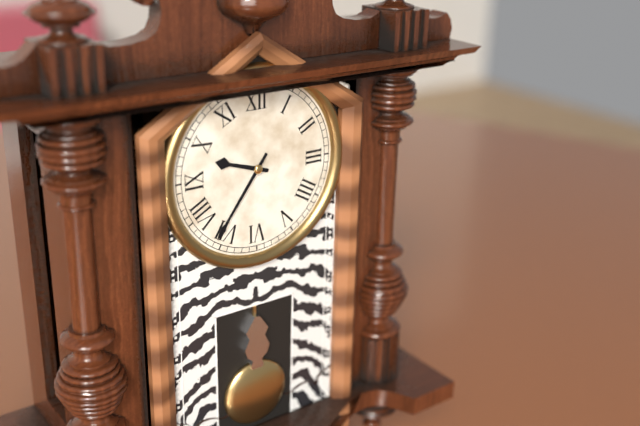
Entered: **9:36**
